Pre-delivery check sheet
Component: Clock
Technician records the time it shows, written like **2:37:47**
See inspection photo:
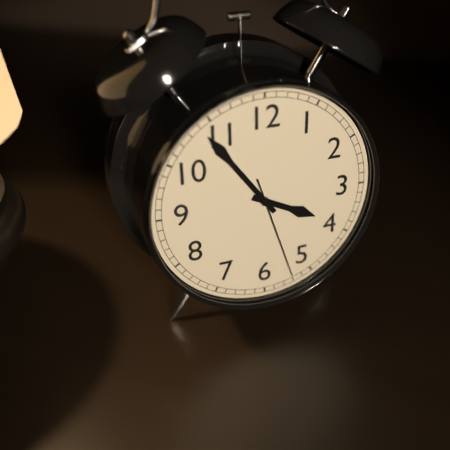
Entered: **3:54:27**
